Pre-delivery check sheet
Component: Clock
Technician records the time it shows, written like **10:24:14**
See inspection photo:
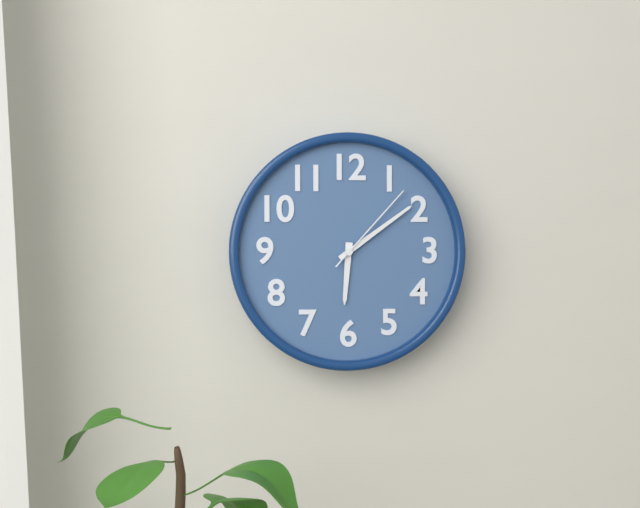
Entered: **6:09:07**
